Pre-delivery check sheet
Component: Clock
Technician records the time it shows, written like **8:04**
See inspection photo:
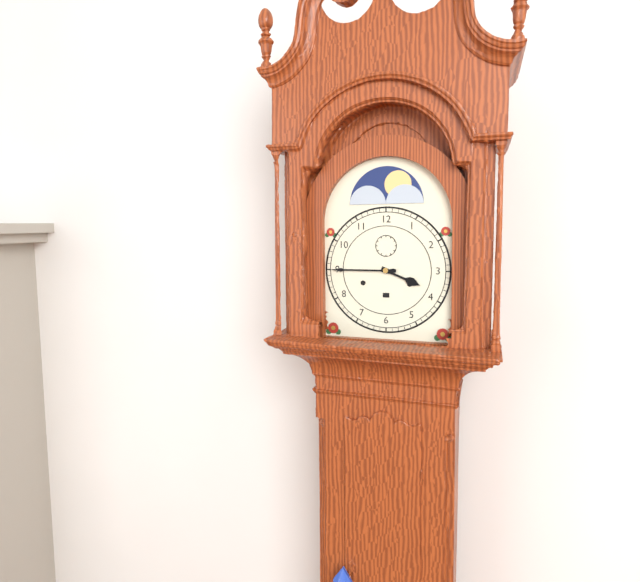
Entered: **3:45**
